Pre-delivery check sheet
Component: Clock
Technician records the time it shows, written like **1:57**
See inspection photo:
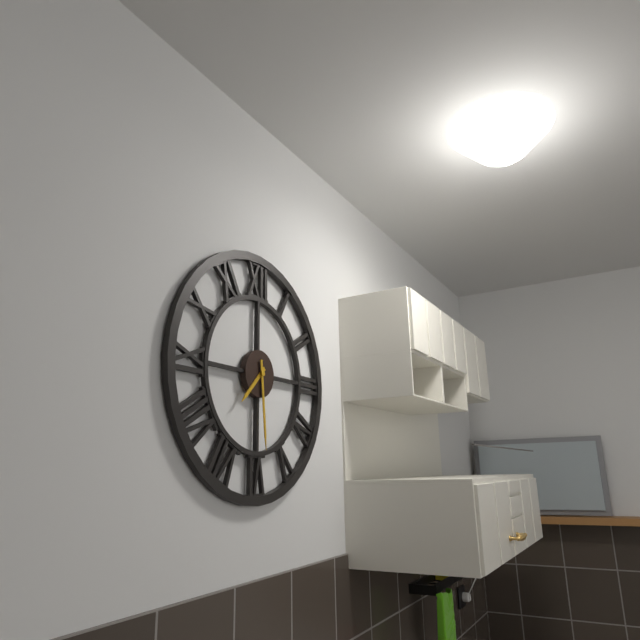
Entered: **7:29**
